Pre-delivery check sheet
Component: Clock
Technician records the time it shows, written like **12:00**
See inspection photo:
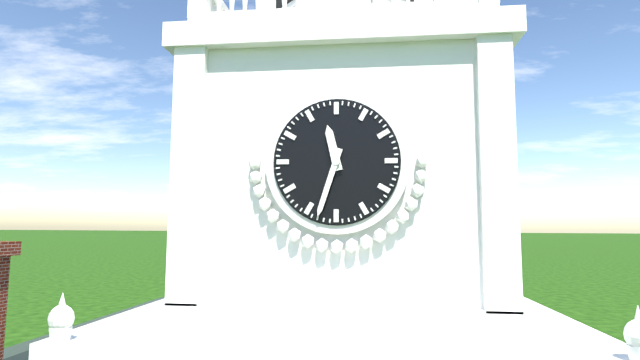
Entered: **11:33**
